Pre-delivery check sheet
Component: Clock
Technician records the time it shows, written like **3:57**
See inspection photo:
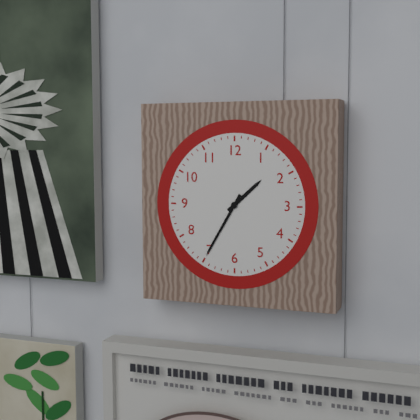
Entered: **1:35**
